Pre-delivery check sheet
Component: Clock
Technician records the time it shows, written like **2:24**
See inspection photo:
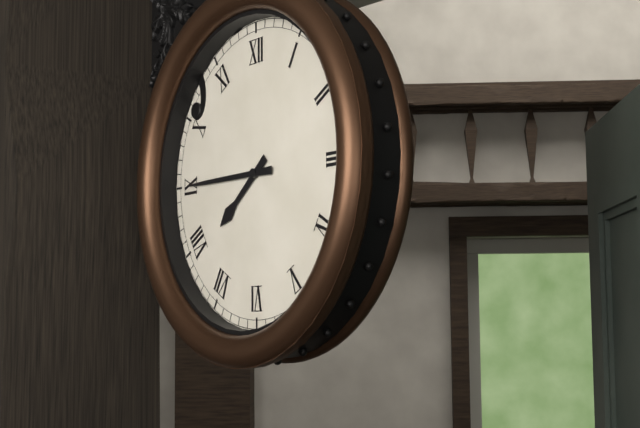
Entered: **7:45**
